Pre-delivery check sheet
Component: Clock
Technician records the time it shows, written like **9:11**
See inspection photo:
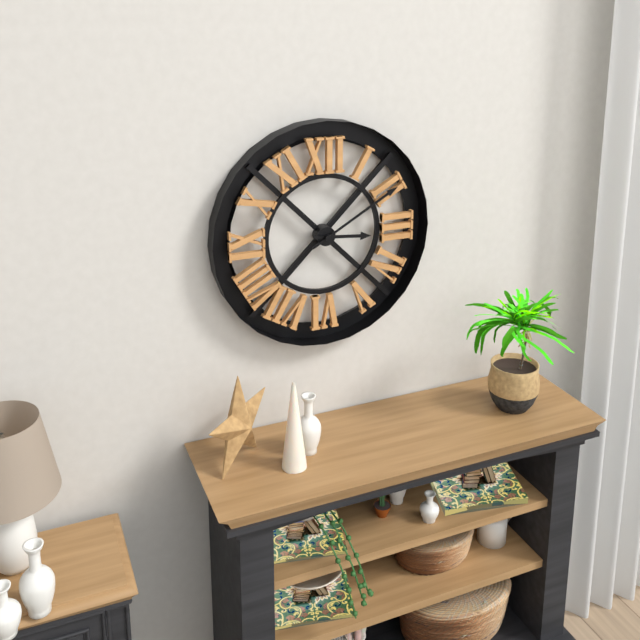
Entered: **3:10**
